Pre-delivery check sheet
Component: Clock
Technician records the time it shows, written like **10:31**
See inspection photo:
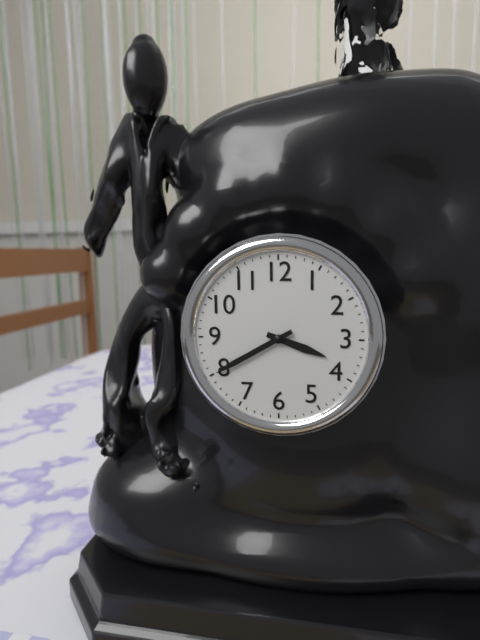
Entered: **3:40**
